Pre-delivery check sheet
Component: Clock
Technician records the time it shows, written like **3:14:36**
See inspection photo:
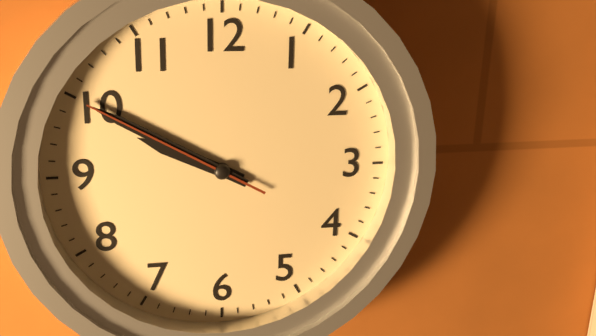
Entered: **9:50:50**
